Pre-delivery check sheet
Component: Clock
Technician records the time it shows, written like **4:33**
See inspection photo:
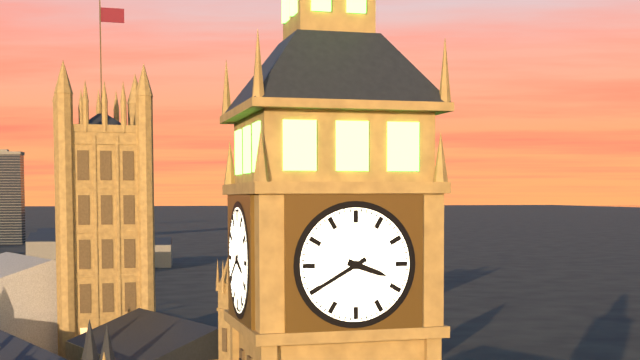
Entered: **3:40**
